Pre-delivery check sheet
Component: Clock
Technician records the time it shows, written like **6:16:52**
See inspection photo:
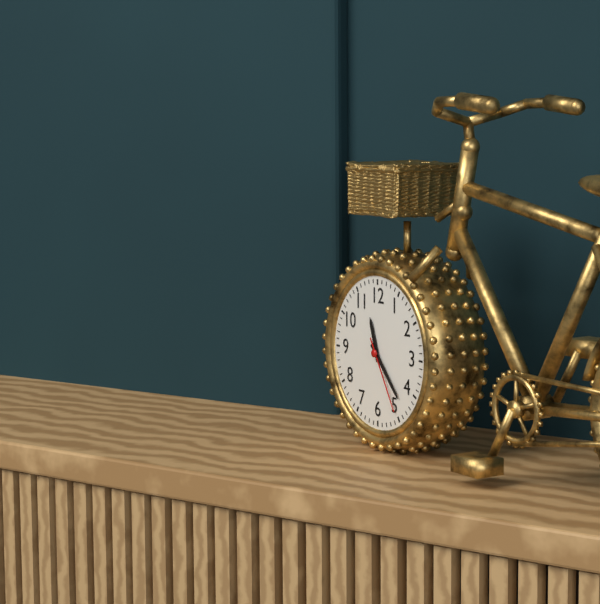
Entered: **11:23:25**
